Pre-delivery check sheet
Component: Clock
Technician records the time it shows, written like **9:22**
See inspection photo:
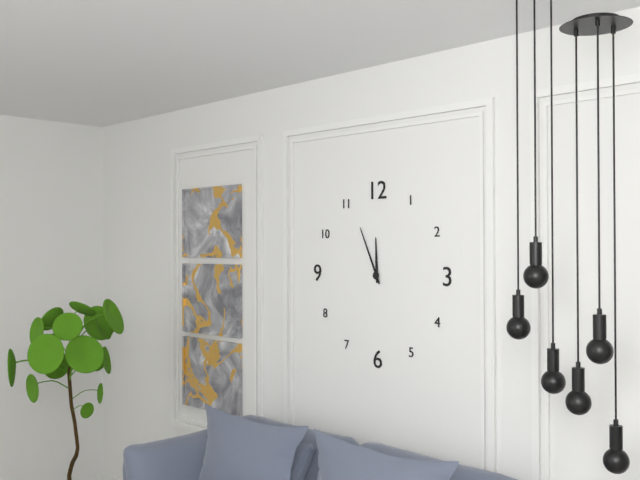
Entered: **11:56**
